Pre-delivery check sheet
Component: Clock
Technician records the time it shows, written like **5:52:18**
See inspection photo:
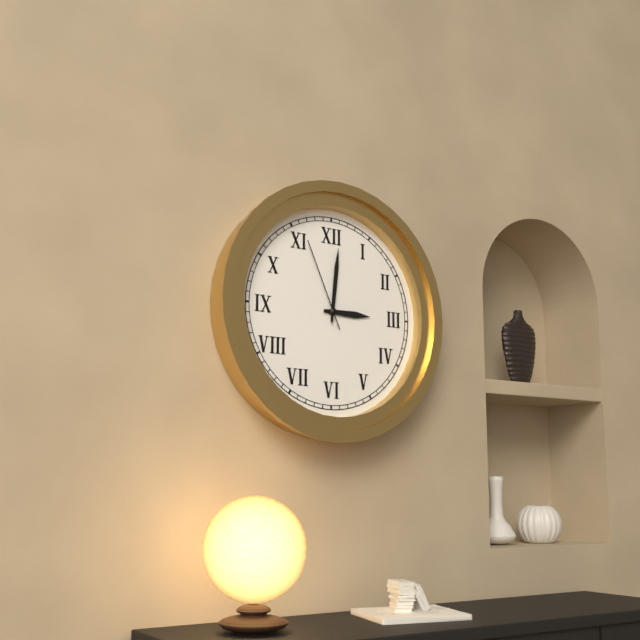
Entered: **3:01:56**
